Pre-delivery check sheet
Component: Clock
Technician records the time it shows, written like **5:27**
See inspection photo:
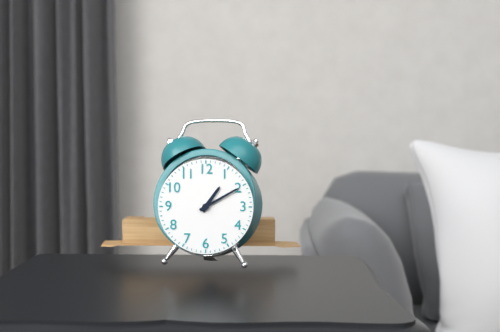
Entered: **1:10**
